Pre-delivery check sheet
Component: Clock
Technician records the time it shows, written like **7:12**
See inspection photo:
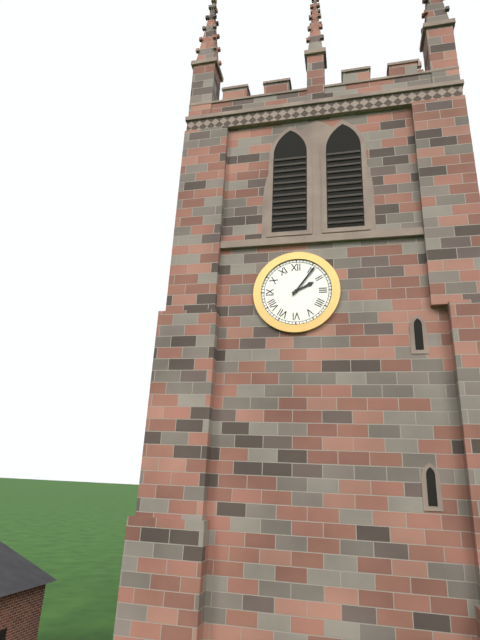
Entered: **2:06**
